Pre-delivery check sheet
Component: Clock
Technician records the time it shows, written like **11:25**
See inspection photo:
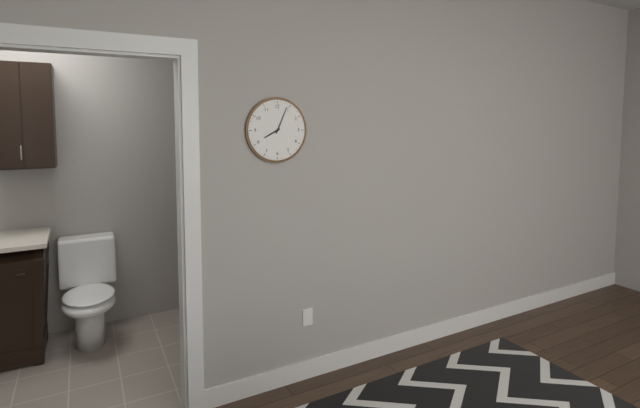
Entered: **8:04**
